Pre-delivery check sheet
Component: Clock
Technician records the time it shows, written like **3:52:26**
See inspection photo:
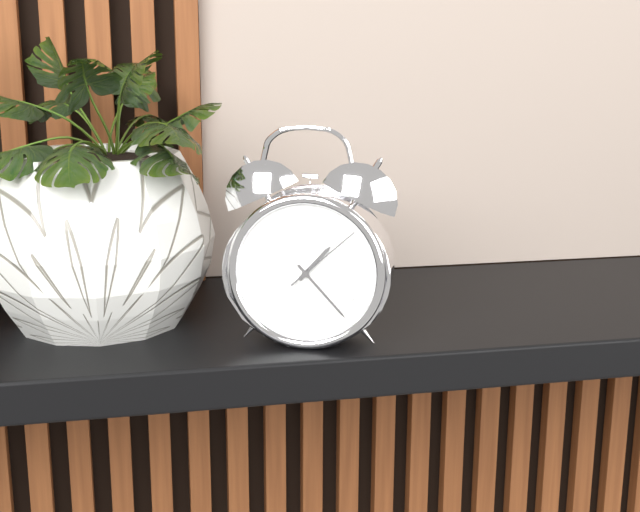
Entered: **1:23:08**
